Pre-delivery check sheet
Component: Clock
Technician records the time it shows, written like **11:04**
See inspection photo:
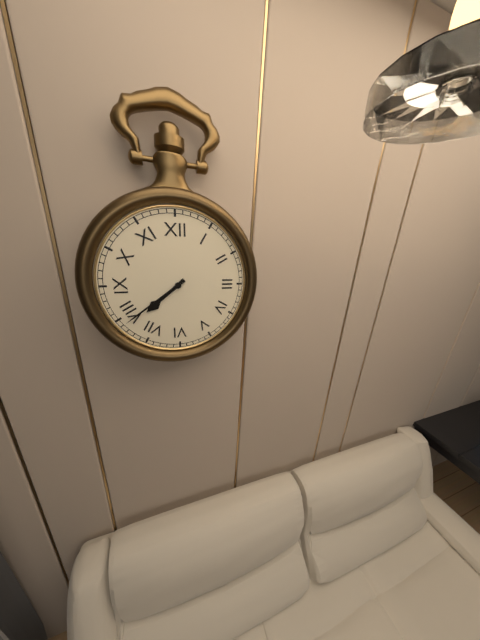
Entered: **7:39**
